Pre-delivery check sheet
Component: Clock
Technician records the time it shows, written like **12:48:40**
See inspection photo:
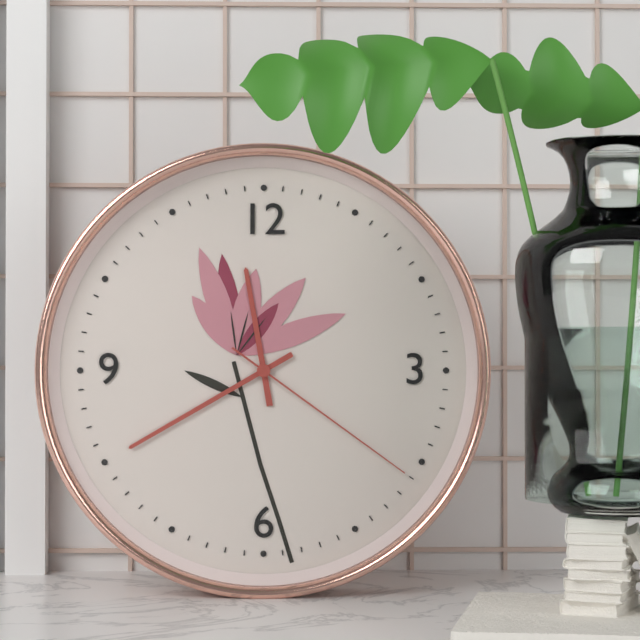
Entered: **11:40:21**
